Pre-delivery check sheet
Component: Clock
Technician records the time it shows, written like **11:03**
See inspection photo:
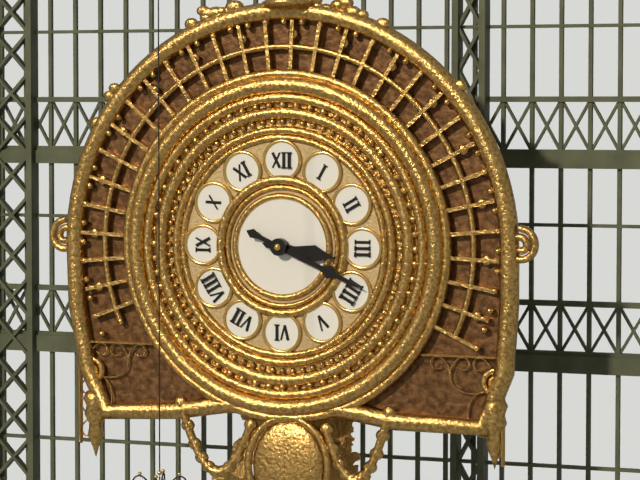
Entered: **3:19**
